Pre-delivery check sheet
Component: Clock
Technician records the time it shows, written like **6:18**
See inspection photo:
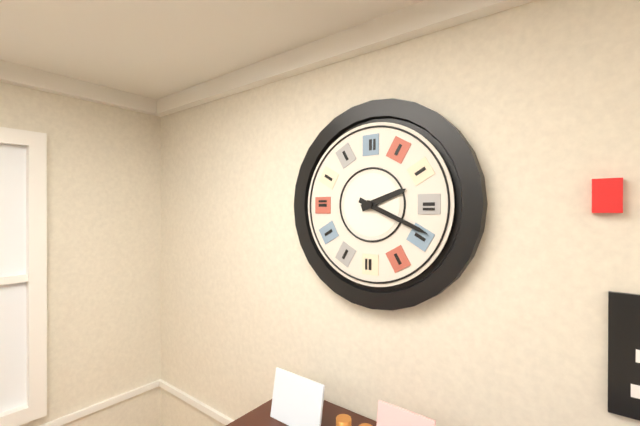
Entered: **2:19**
